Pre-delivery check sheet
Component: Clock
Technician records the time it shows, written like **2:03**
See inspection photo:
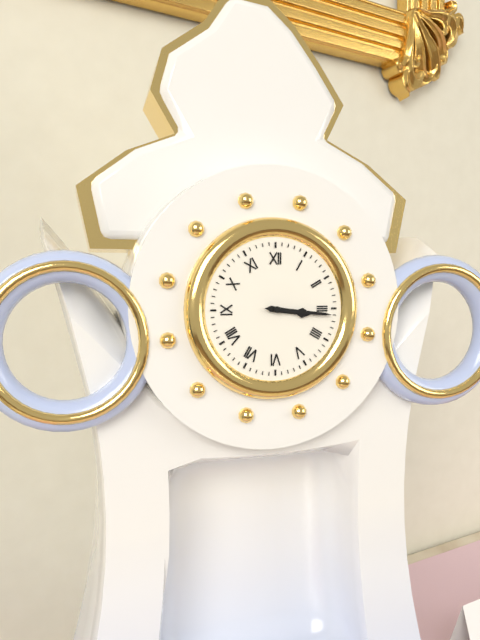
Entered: **3:16**
